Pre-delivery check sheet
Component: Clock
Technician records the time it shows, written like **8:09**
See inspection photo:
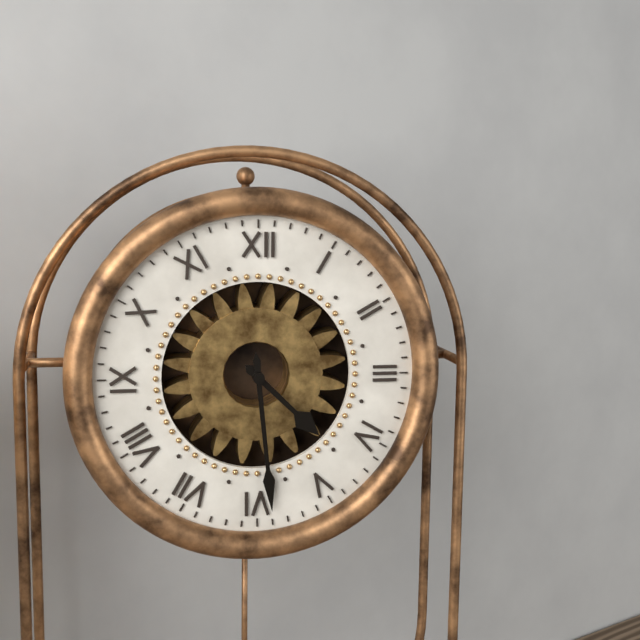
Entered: **4:29**
